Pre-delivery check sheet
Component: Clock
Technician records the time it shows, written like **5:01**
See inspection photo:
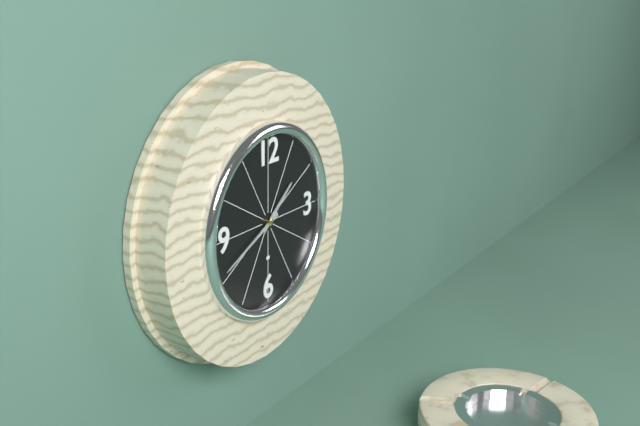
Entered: **1:41**
